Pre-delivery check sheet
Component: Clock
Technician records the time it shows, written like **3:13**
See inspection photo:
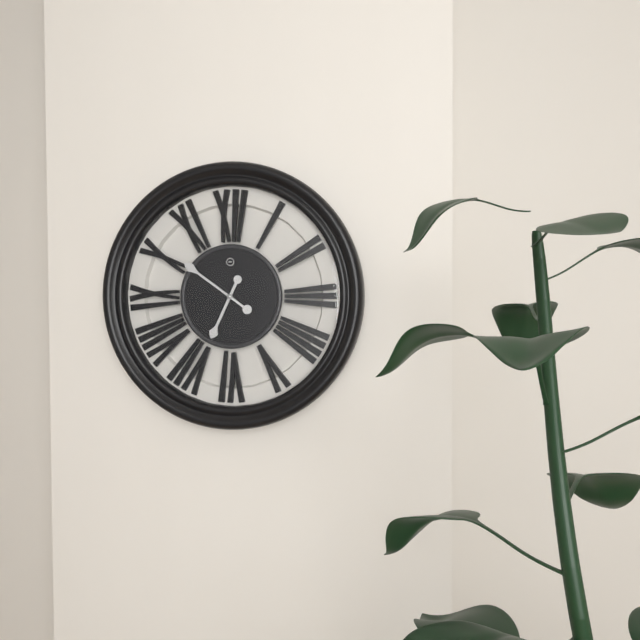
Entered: **6:51**
